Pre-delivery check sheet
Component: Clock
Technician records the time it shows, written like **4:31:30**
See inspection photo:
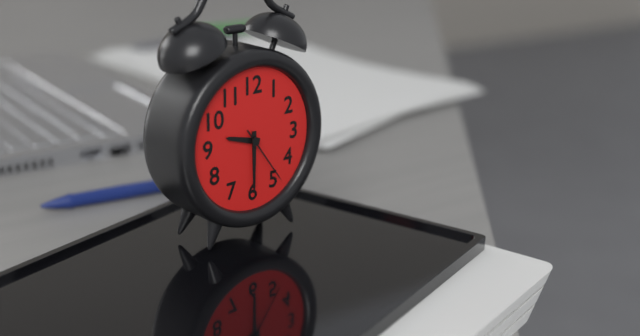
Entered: **9:30:24**
